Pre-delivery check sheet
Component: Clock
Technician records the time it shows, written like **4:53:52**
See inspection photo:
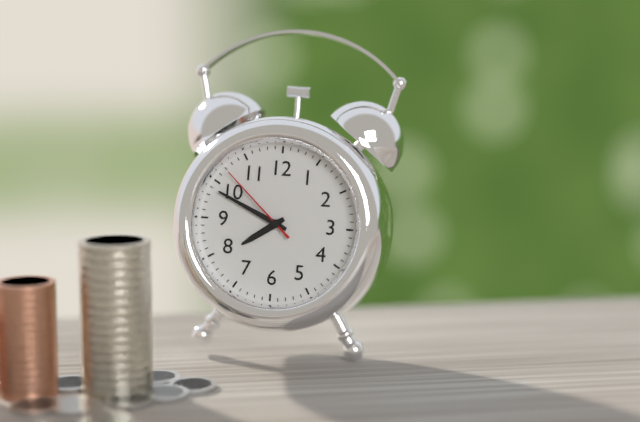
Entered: **7:49:52**
